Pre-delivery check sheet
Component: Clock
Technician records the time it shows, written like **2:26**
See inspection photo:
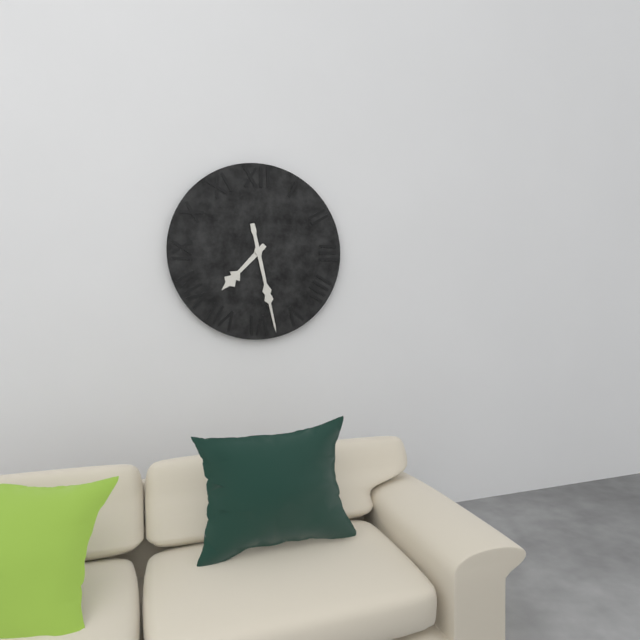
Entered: **7:28**
